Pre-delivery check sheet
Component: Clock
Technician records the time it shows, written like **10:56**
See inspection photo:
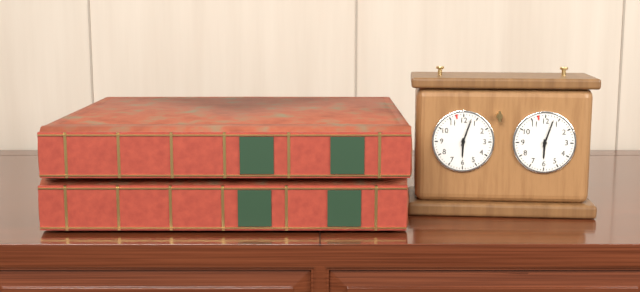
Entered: **6:03**
